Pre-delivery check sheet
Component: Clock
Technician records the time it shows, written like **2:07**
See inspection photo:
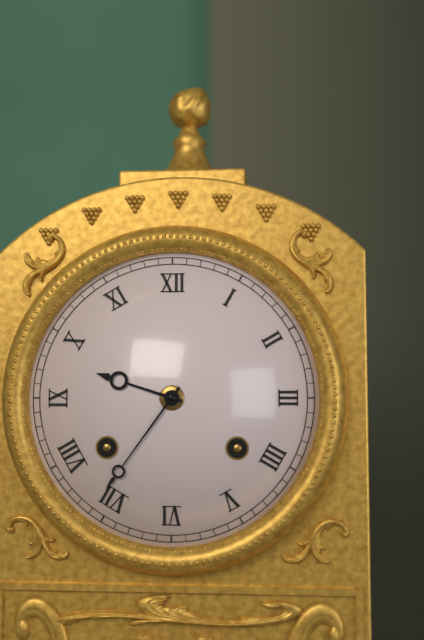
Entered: **9:36**
